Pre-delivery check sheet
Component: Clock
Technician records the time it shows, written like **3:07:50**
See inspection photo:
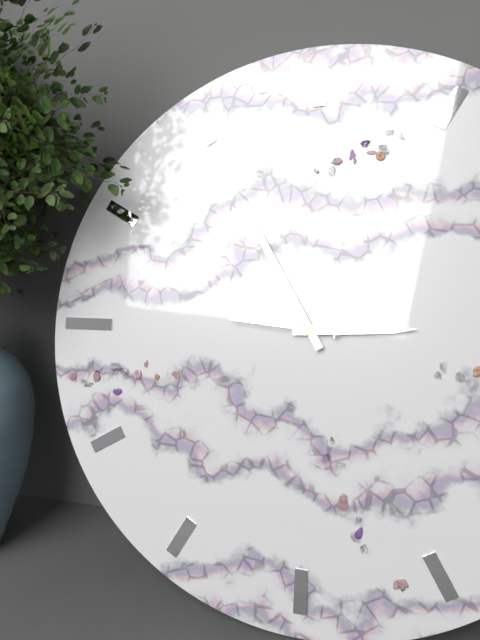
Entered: **2:55:46**
